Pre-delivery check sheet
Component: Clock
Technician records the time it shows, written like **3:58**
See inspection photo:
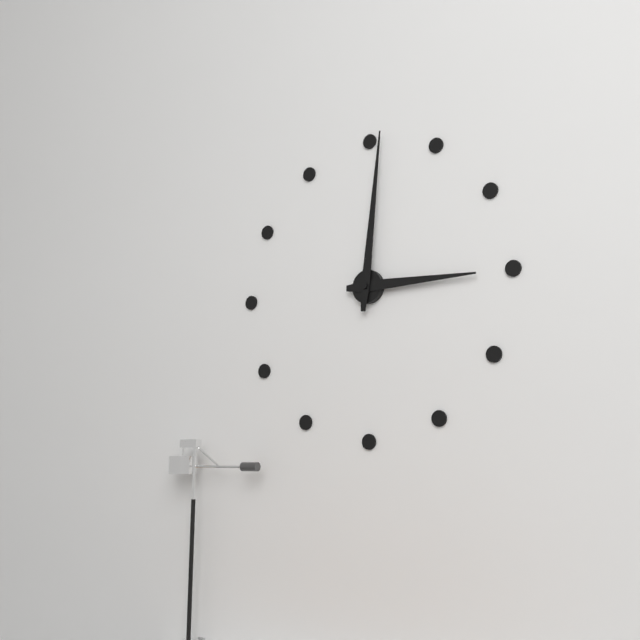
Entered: **3:01**
